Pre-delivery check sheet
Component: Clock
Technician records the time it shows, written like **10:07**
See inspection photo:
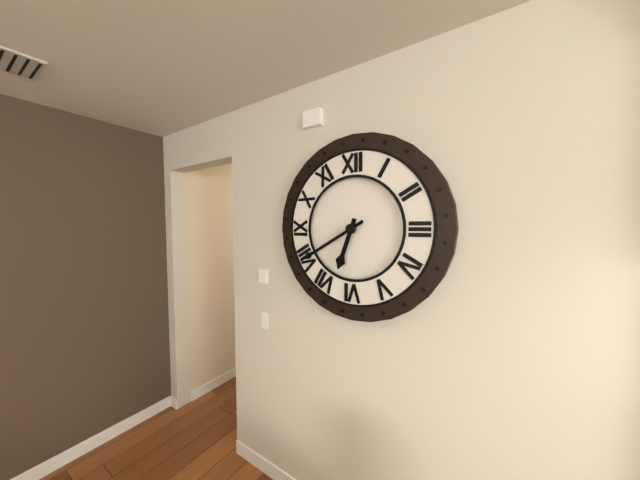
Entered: **6:40**
